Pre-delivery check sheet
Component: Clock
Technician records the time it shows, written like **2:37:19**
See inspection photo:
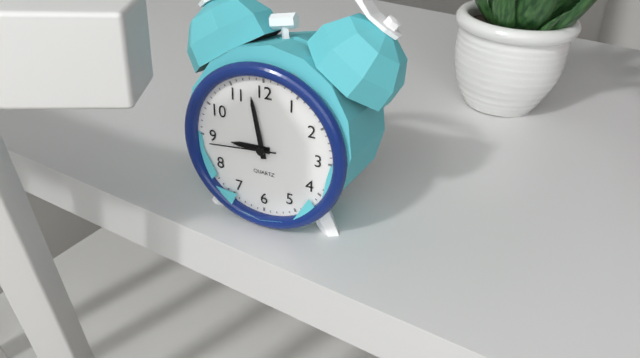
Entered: **8:58:44**
